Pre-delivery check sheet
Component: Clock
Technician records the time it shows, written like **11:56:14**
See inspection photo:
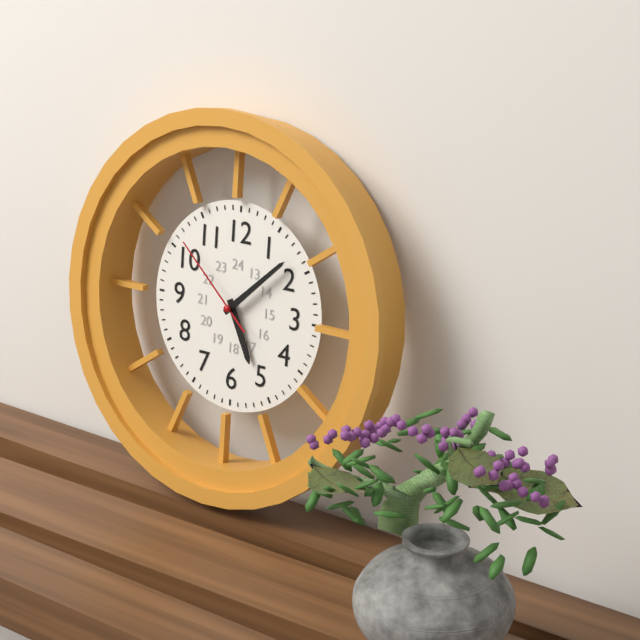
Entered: **5:08:52**
